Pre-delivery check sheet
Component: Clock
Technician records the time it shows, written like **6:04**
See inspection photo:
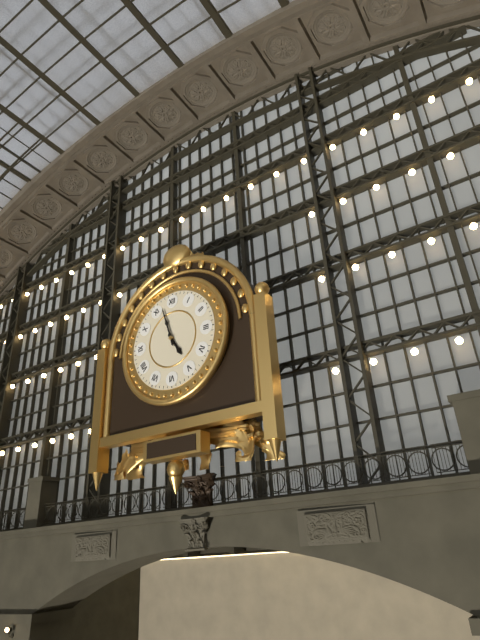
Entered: **4:57**
